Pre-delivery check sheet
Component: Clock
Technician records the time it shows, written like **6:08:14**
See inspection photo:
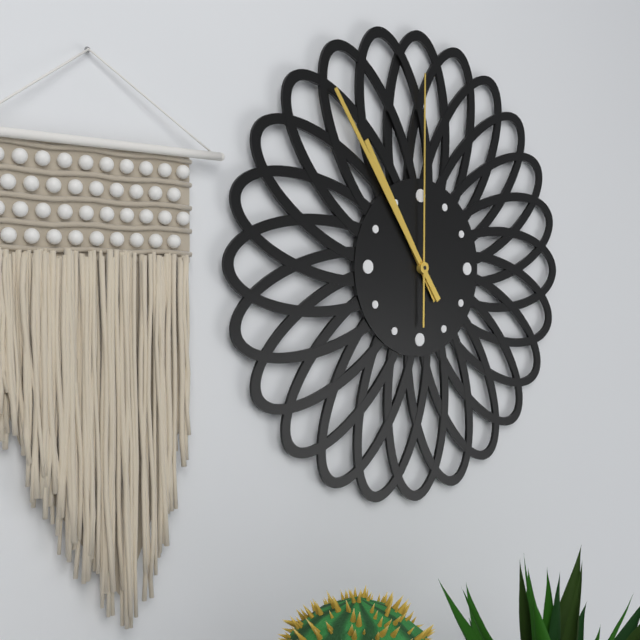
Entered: **10:54:00**
